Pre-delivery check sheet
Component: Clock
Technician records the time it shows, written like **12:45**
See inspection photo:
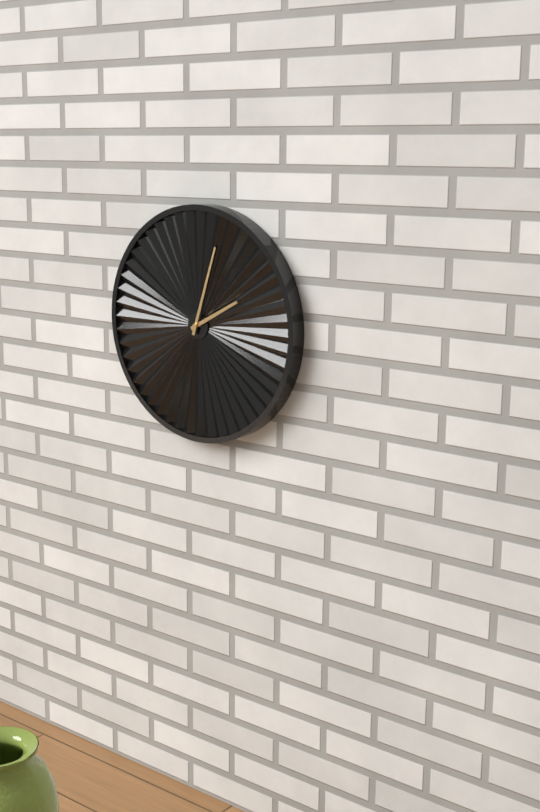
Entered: **2:03**
